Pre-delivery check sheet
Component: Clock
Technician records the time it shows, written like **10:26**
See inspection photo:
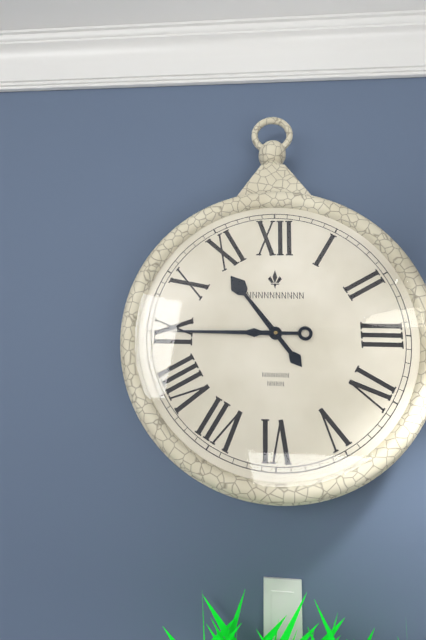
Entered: **10:45**
